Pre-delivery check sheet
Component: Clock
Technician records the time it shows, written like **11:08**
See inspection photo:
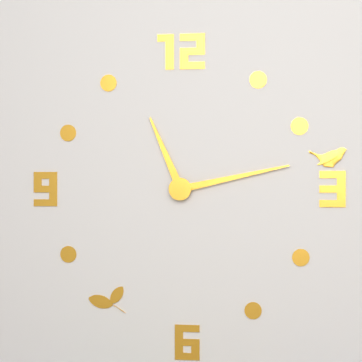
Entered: **11:13**
